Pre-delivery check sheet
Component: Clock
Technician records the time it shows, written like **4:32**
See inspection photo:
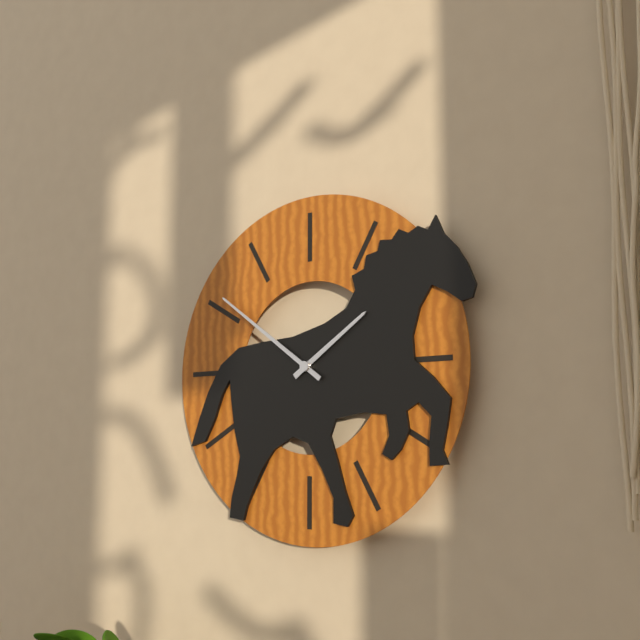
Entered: **1:51**
